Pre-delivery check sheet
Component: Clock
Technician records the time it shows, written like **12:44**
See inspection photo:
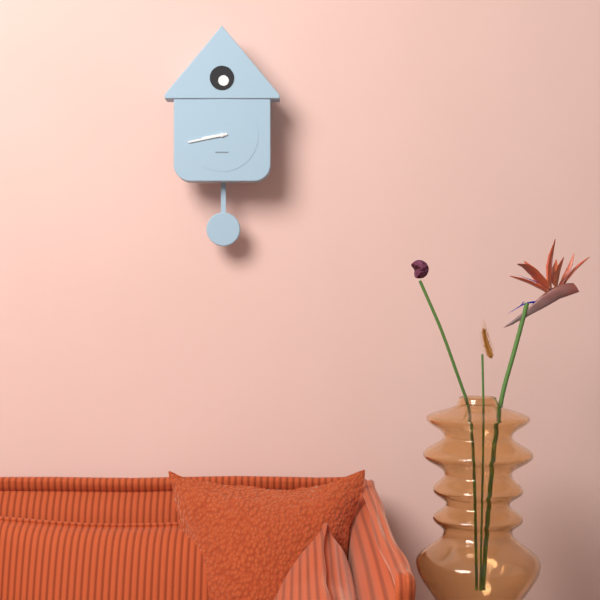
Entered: **8:43**
